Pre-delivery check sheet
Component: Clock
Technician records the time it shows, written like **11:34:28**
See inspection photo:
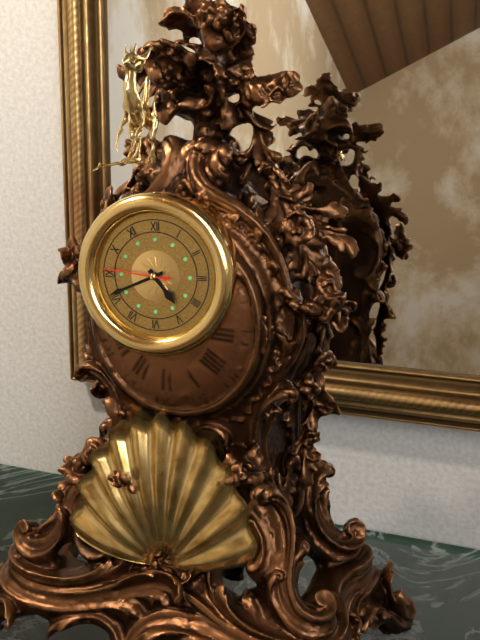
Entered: **4:41:46**
